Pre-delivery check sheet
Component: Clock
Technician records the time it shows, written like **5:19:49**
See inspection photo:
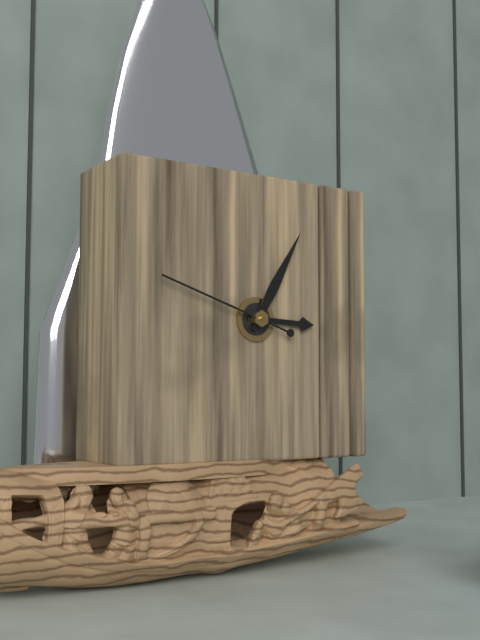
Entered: **3:05:48**
